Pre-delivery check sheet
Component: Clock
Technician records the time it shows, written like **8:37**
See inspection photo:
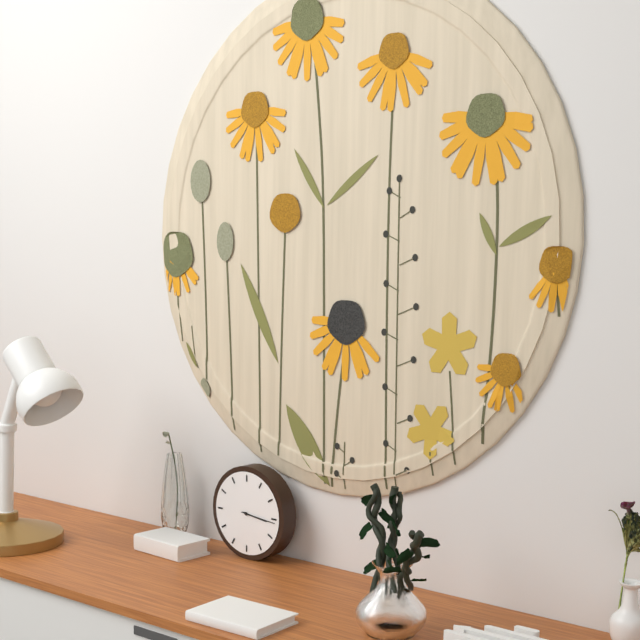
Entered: **3:16**
